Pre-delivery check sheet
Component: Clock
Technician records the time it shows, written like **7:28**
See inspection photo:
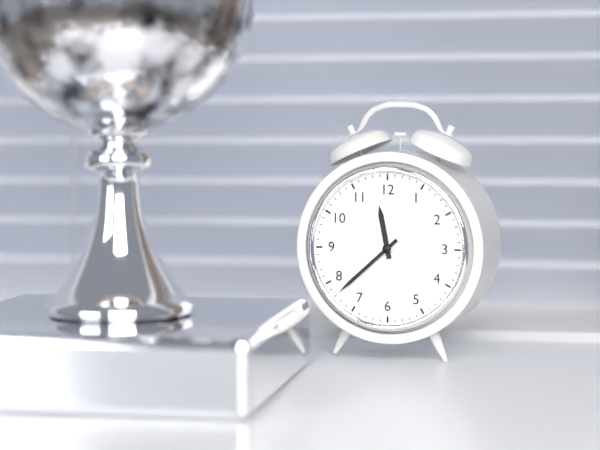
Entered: **11:38**
